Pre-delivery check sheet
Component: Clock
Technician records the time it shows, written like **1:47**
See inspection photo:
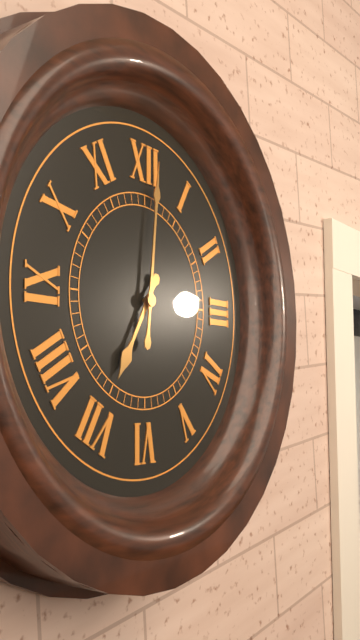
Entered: **7:01**
